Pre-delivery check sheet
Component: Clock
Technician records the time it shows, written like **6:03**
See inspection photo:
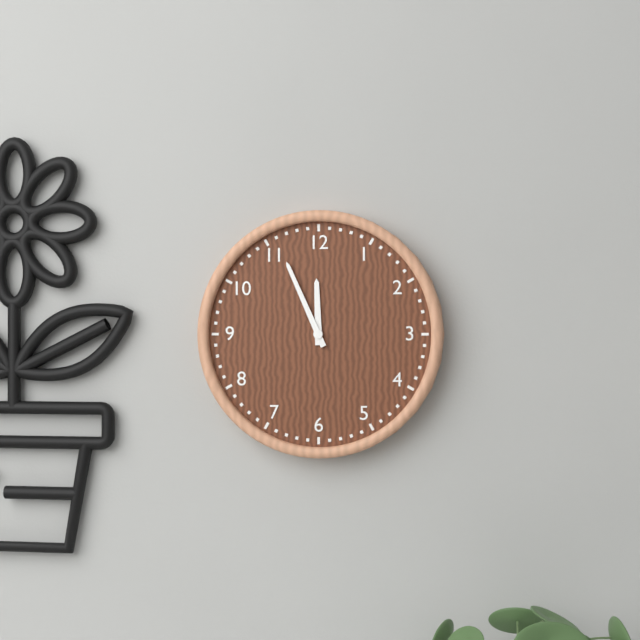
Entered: **11:56**
